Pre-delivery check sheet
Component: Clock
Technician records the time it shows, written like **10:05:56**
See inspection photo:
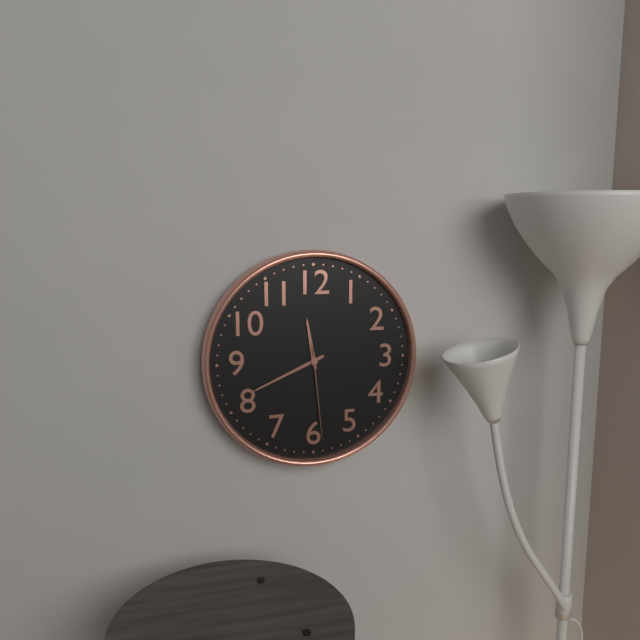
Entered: **11:41:29**
